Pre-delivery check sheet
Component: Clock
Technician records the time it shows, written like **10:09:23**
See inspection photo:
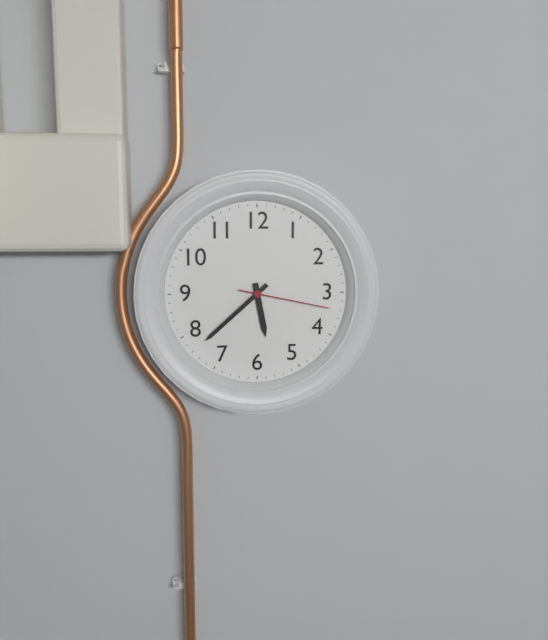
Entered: **5:38:17**
